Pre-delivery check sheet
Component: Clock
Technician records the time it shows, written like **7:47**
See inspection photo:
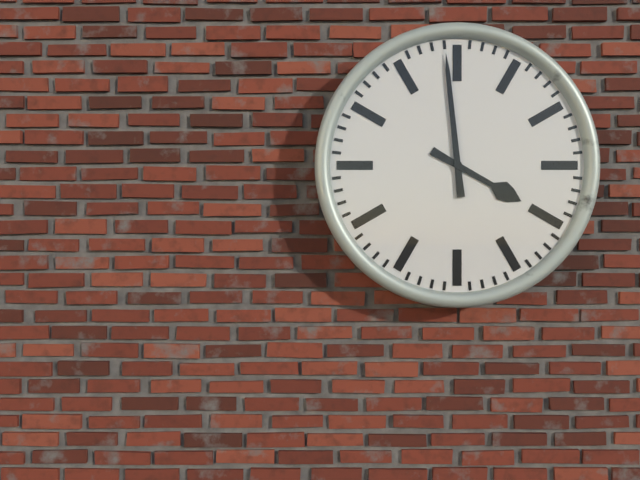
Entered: **3:59**
